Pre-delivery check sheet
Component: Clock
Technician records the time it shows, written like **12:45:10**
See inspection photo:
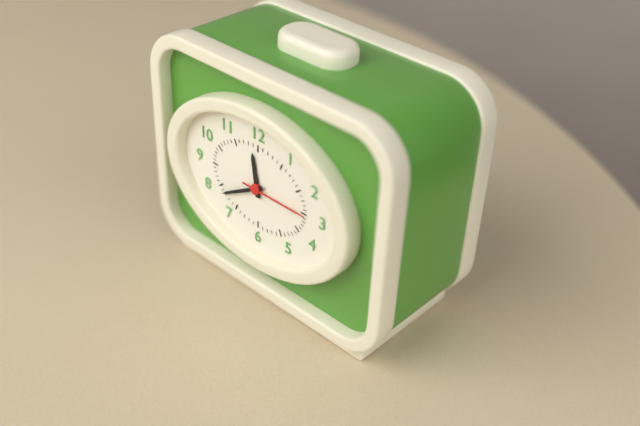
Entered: **11:40:15**
